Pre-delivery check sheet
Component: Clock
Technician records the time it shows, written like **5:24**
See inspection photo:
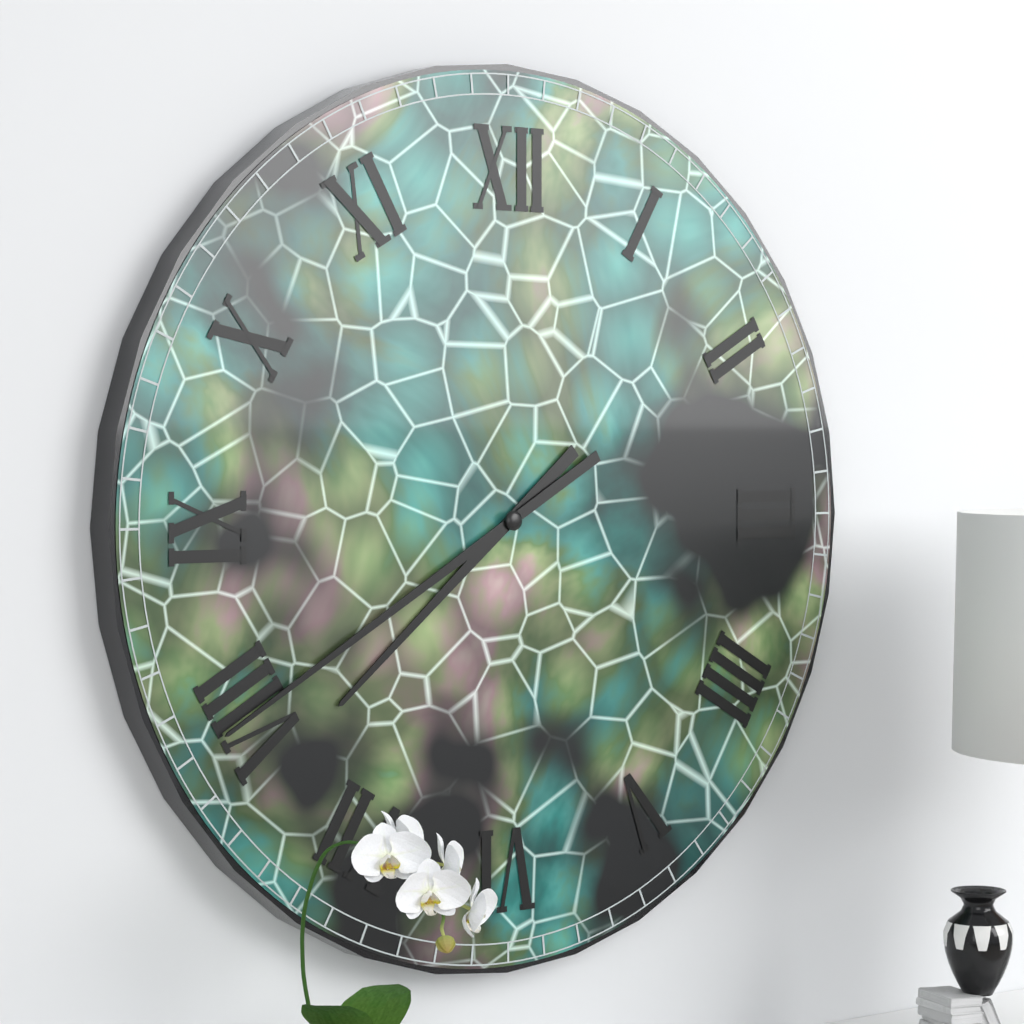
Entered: **7:40**
